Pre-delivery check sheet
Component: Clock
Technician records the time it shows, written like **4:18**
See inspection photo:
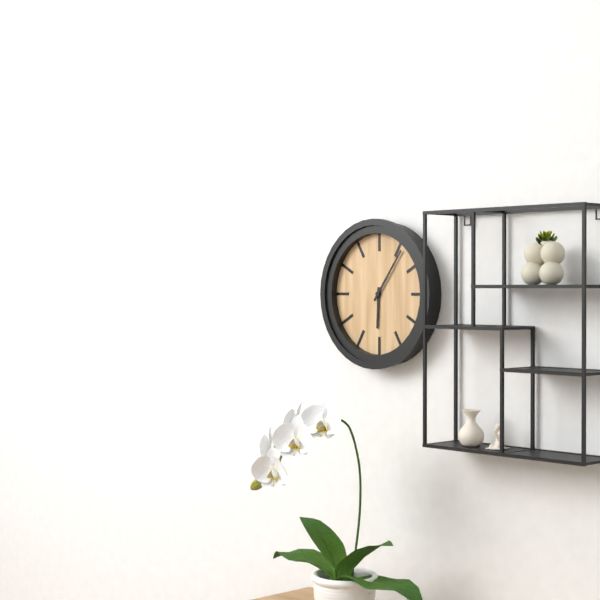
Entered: **6:06**
